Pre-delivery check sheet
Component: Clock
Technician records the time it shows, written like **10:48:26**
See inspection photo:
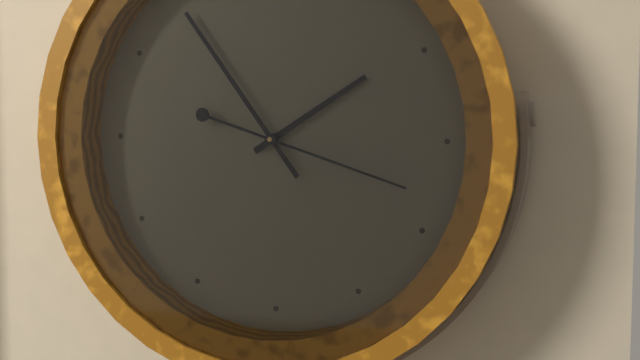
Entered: **1:54:18**
